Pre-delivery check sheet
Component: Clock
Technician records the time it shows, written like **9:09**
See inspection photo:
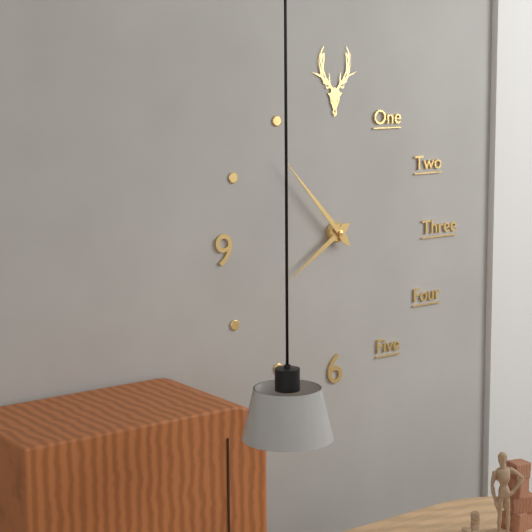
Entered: **7:53**
